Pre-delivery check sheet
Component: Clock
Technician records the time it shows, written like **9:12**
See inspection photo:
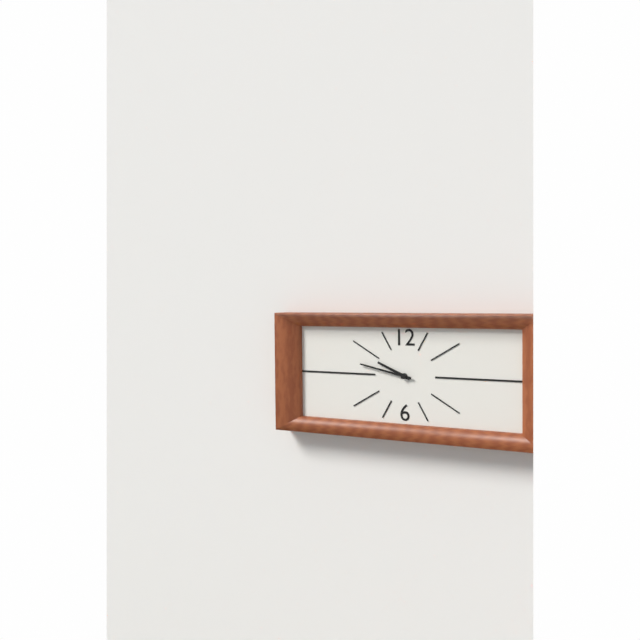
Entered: **9:47**
